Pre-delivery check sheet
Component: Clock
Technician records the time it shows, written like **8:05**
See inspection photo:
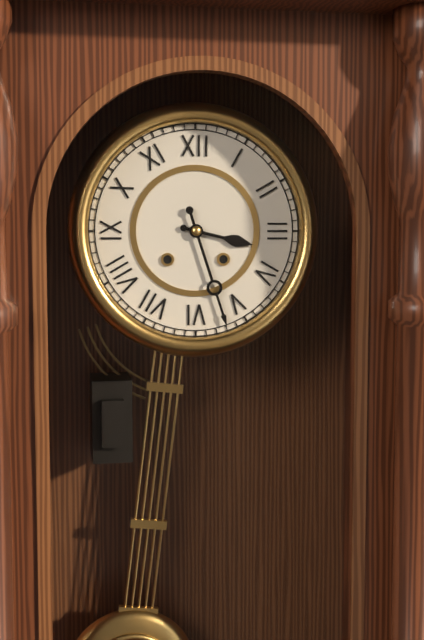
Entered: **3:27**
